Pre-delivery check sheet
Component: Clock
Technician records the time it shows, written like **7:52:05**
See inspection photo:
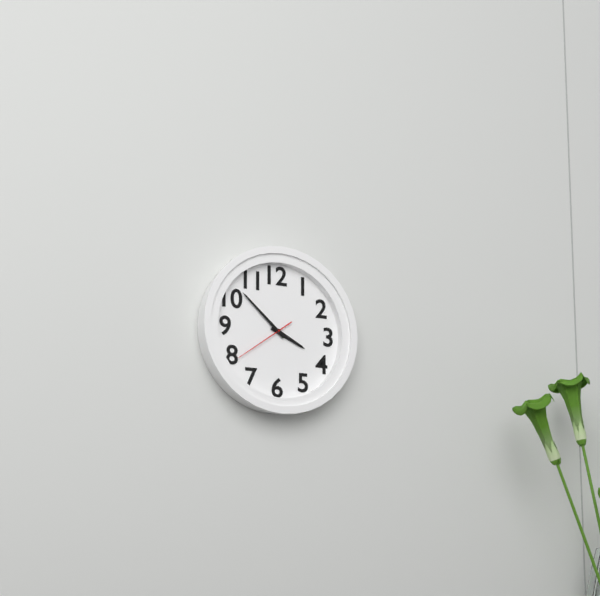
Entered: **3:52:39**
